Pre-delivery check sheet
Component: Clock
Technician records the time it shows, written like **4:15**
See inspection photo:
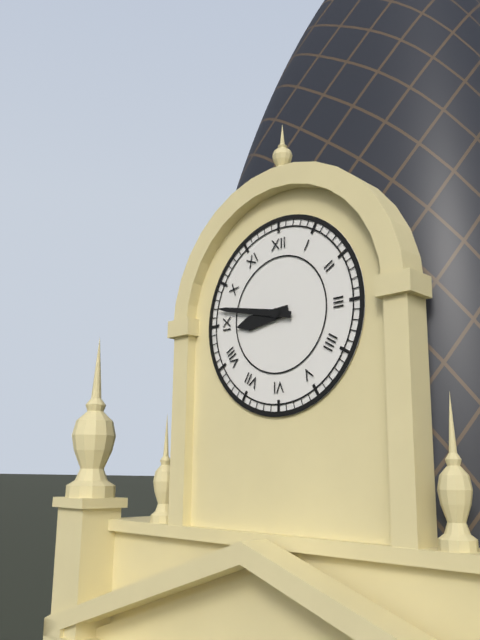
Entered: **8:47**
